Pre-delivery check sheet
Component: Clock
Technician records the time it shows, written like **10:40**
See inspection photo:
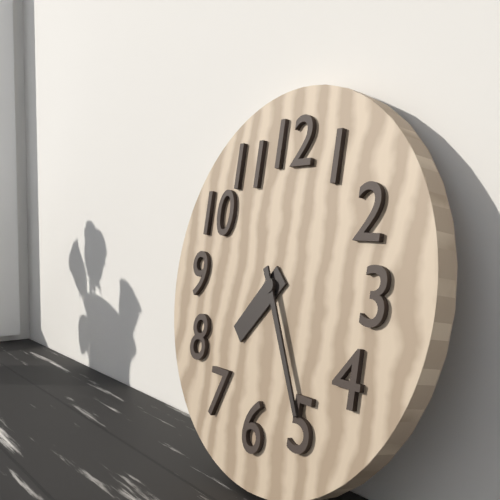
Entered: **7:25**
